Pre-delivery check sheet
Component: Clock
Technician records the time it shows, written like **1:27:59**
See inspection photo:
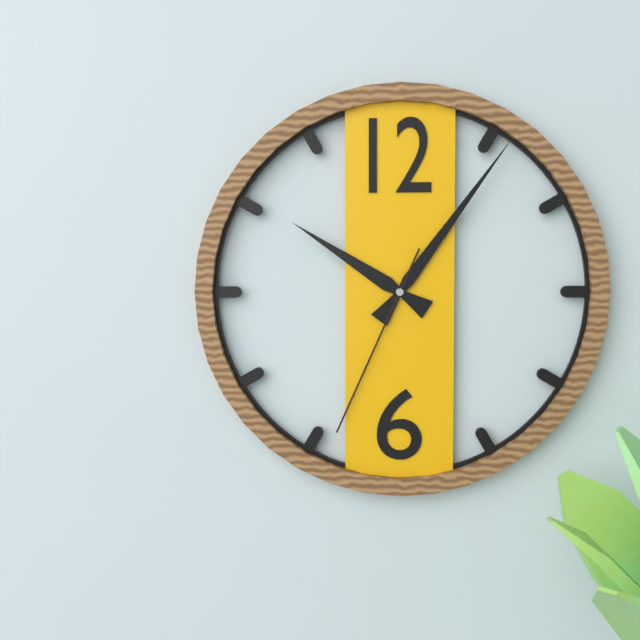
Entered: **10:06:34**
